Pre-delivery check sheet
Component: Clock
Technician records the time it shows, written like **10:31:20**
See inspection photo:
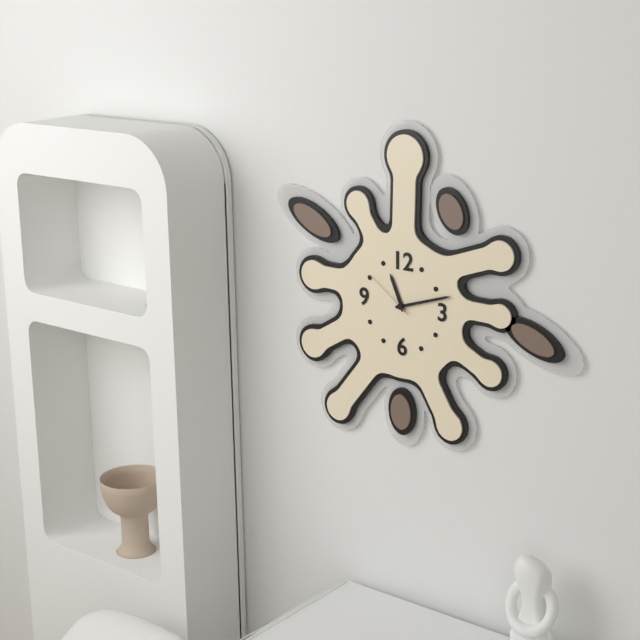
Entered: **11:12:51**
